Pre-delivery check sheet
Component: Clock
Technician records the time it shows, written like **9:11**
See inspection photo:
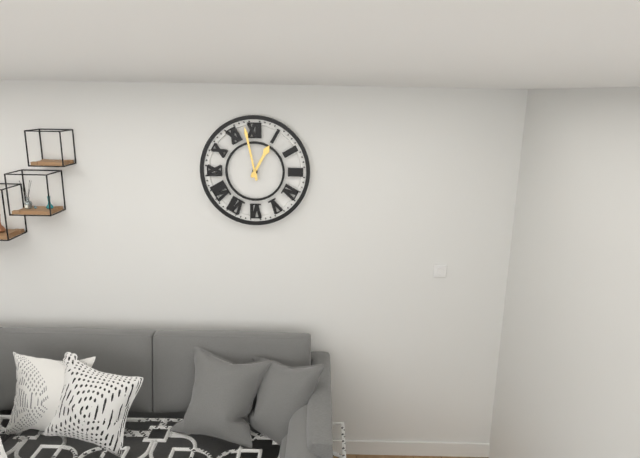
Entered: **12:58**
